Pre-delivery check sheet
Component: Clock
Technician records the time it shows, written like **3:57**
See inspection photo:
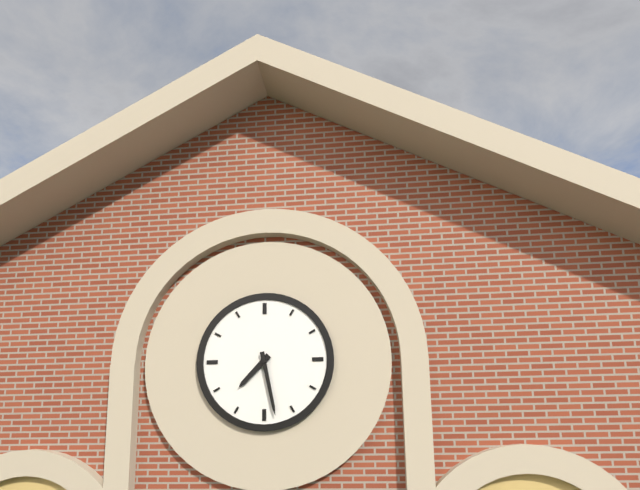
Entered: **7:28**
